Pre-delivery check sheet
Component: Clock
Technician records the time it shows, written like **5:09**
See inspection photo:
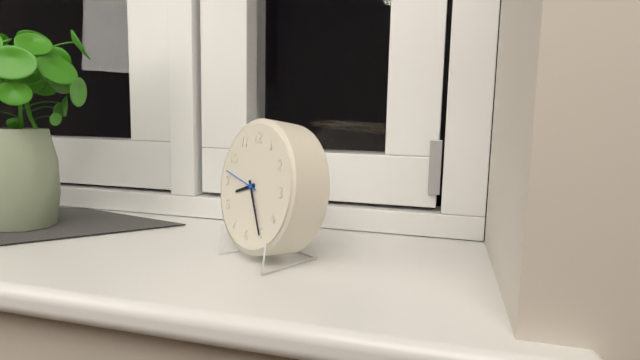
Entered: **8:25**
